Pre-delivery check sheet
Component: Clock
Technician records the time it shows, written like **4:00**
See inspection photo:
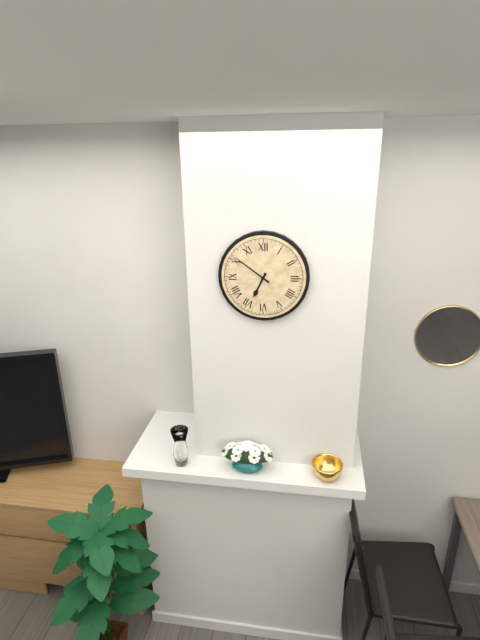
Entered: **6:51**
